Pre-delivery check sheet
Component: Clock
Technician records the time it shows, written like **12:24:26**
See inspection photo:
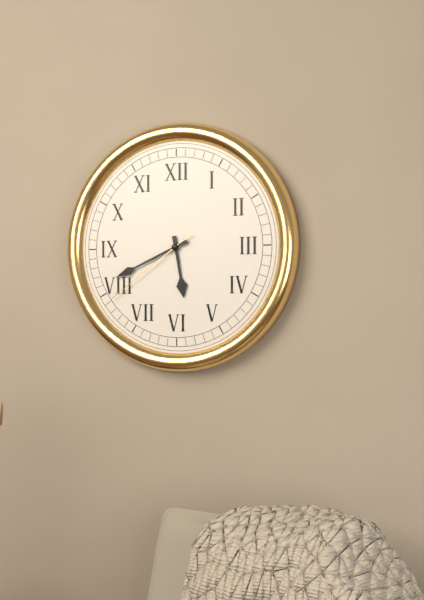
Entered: **5:41:39**
